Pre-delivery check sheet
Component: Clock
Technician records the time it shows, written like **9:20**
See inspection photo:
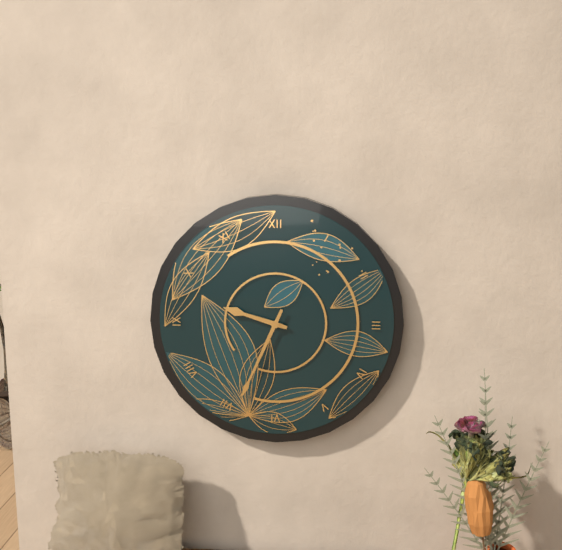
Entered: **9:34**
